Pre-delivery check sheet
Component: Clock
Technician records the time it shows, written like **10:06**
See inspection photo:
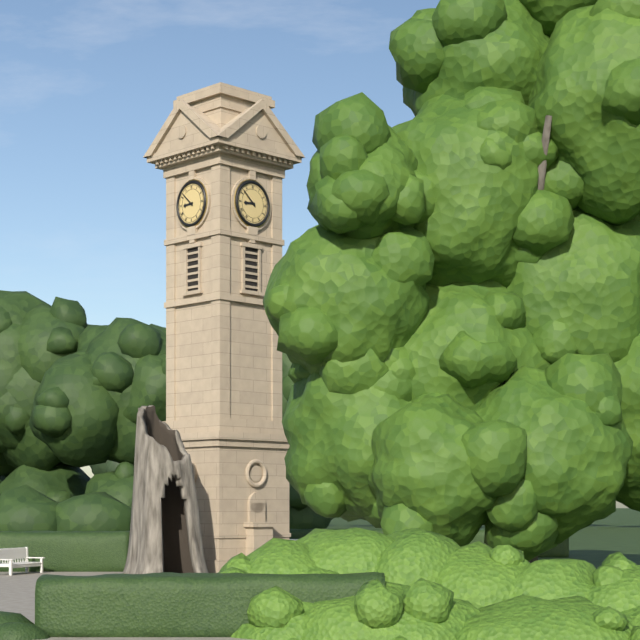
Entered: **8:52**
